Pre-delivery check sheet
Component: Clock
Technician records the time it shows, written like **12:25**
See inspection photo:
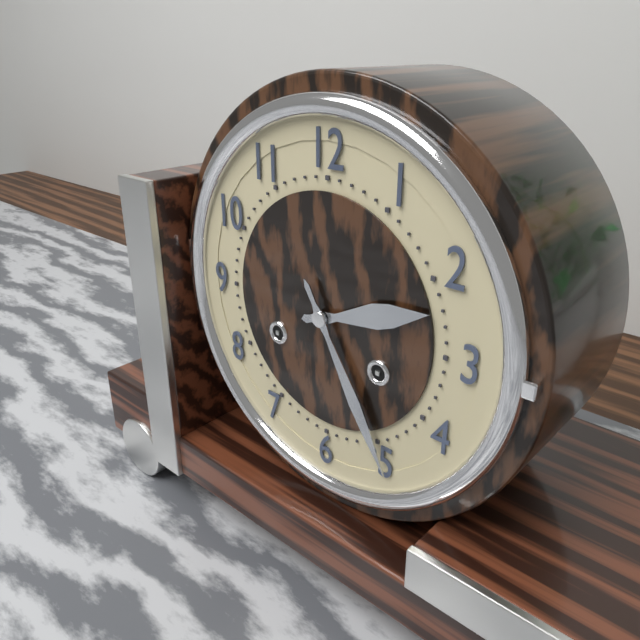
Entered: **2:25**
